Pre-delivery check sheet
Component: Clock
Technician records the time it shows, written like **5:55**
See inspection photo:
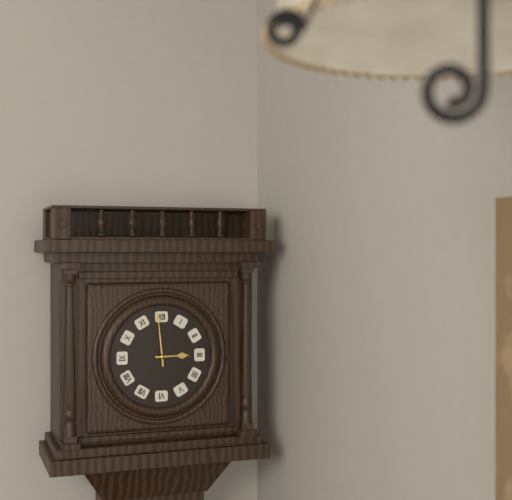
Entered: **2:59**
